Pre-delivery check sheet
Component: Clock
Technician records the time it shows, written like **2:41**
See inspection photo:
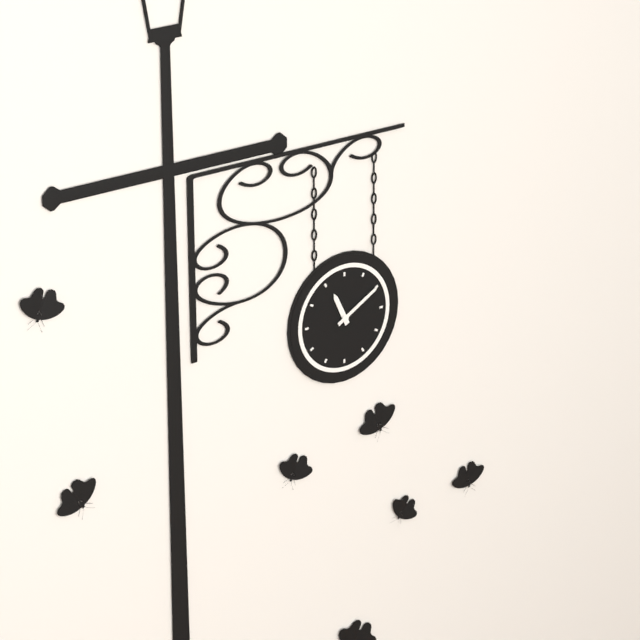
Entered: **11:10**
